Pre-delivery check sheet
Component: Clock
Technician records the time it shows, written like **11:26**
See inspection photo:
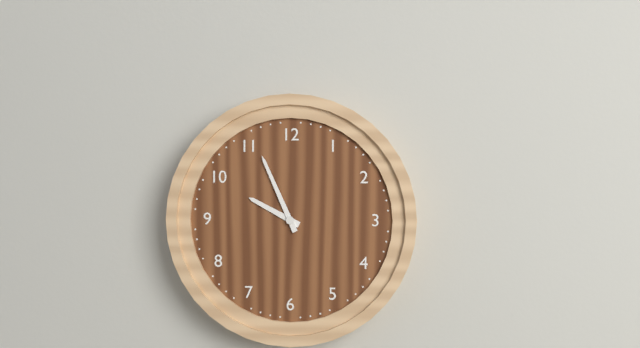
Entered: **9:56**
